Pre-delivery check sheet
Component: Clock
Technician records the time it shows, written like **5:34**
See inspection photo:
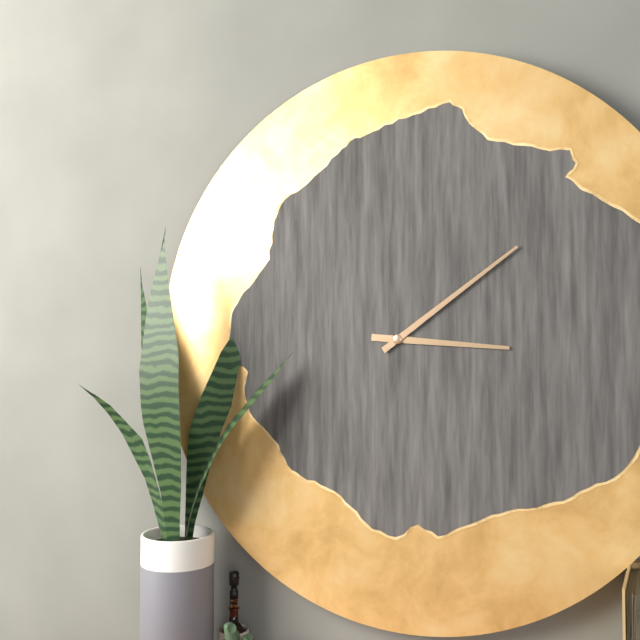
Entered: **3:09**
